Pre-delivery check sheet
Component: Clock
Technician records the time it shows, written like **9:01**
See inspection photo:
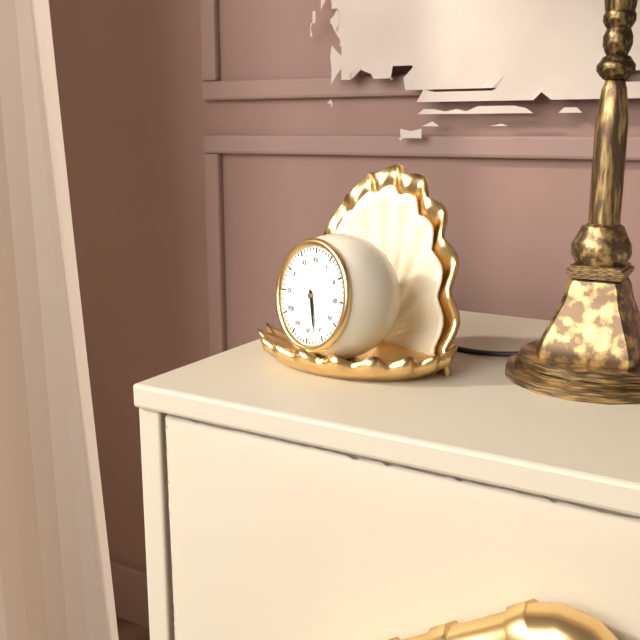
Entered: **5:27**
